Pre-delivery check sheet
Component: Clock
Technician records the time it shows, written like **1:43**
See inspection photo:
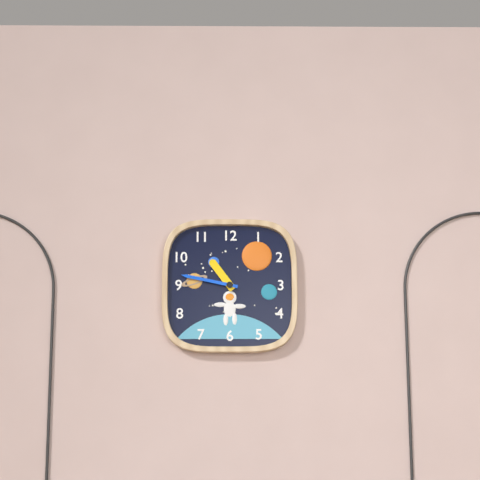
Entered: **10:47**
